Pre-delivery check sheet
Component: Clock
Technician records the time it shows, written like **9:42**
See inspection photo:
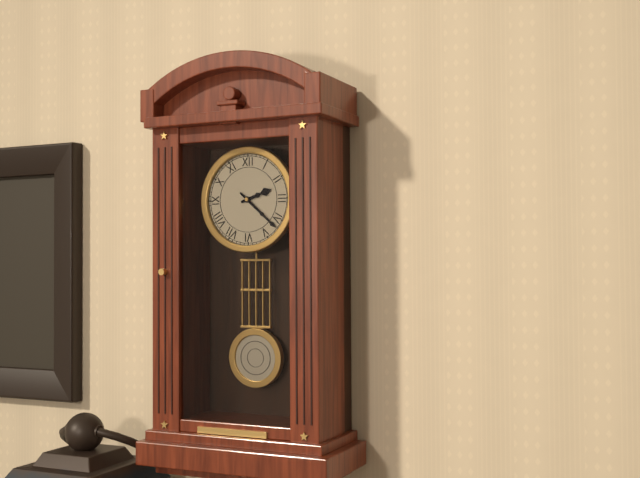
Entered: **2:22**
